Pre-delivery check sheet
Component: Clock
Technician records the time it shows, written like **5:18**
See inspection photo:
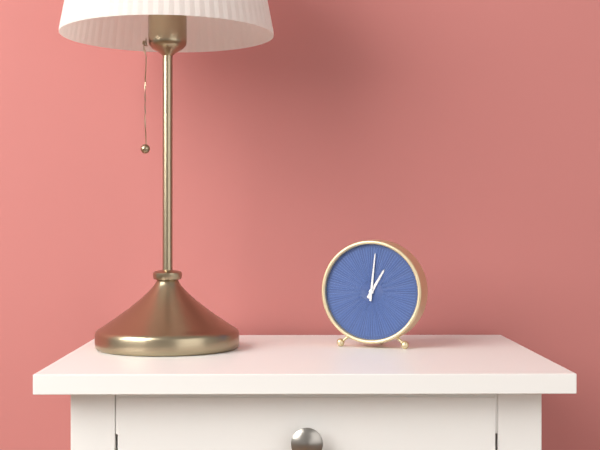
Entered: **1:01**
